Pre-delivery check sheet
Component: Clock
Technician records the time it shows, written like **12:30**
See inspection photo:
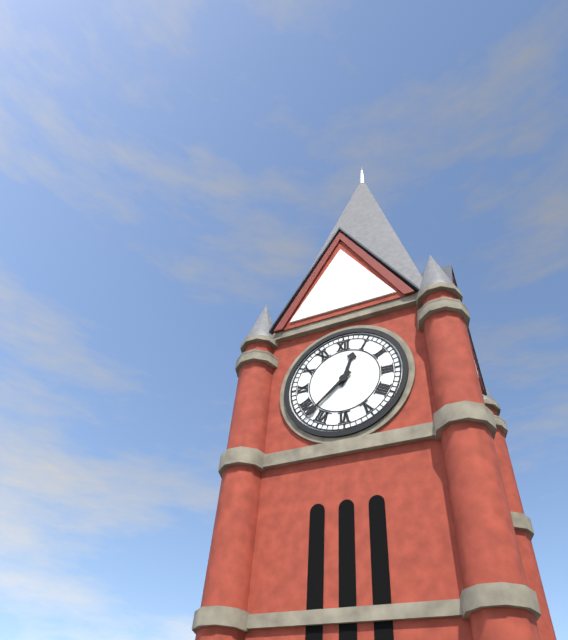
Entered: **12:38**
